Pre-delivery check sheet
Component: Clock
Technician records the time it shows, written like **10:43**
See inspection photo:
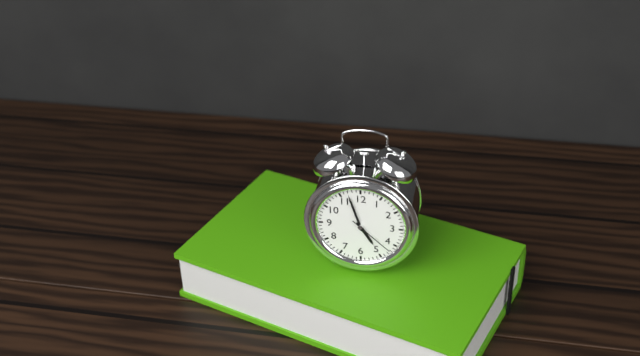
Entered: **4:57**
